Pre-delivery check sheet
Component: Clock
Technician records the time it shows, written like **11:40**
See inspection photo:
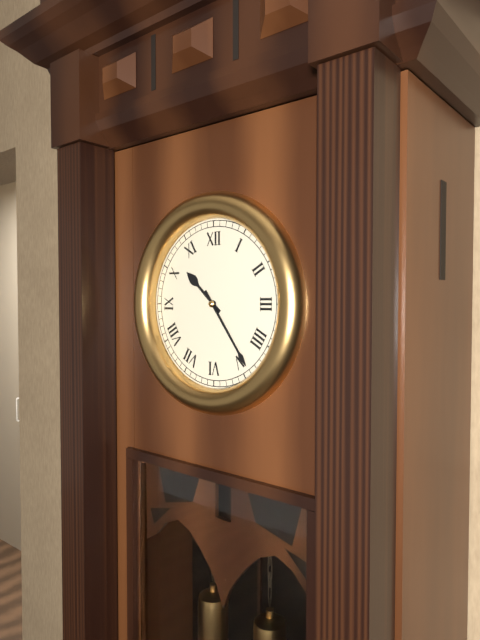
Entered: **10:24**
